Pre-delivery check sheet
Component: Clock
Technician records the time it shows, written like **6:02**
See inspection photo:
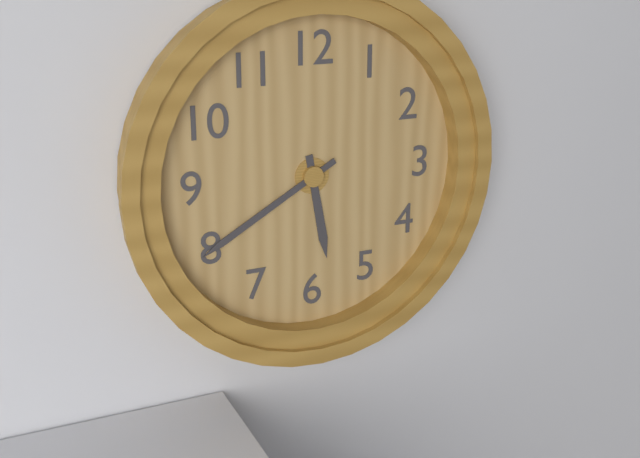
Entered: **5:40**
